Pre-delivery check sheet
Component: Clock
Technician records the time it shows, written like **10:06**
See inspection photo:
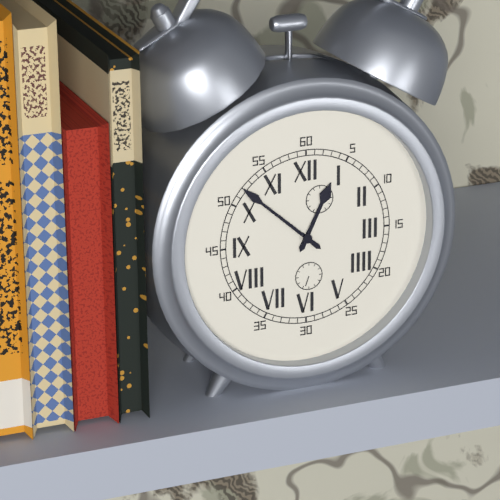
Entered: **12:52**
